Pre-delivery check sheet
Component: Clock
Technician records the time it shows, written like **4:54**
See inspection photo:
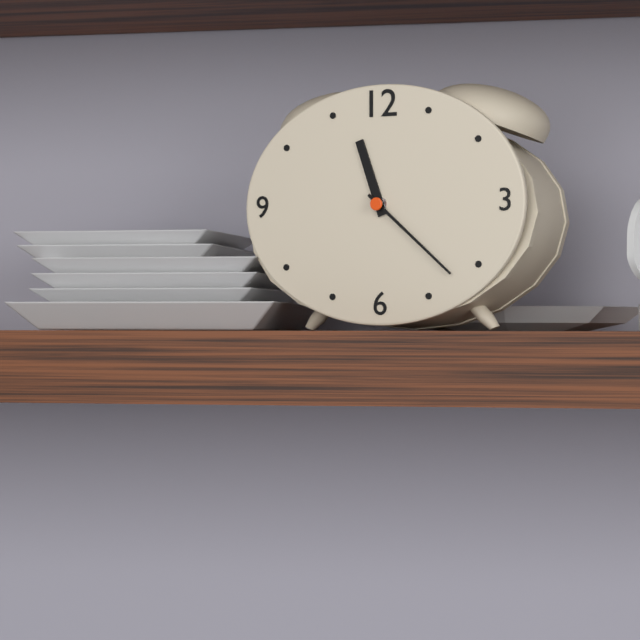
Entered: **11:22**
